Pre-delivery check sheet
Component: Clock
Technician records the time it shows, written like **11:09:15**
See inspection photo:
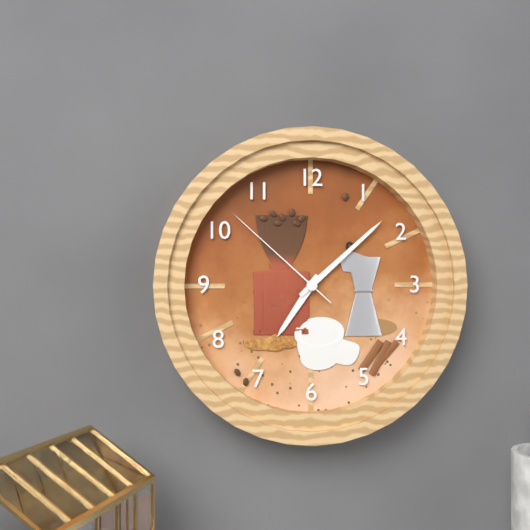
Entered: **7:08:52**
